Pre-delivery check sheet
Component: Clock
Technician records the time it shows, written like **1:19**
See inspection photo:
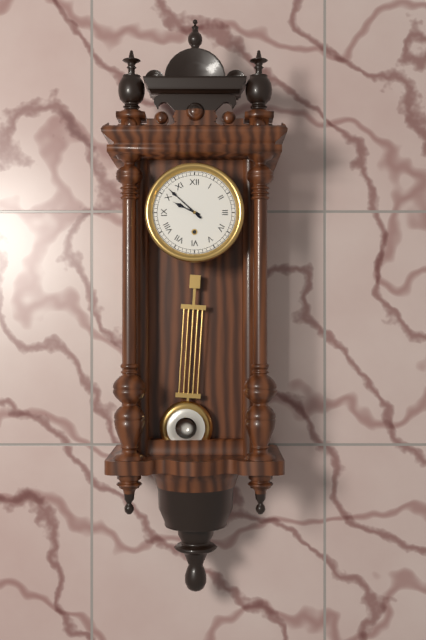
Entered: **9:52**
